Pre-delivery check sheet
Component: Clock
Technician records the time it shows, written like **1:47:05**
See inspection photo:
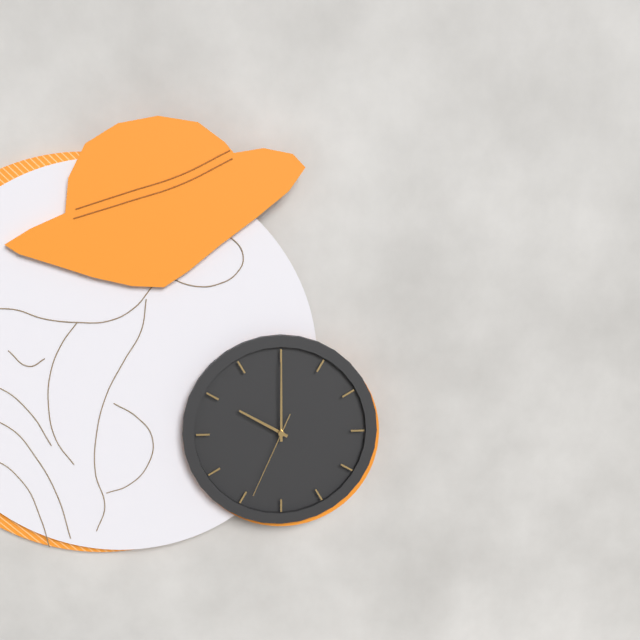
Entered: **10:00:34**
